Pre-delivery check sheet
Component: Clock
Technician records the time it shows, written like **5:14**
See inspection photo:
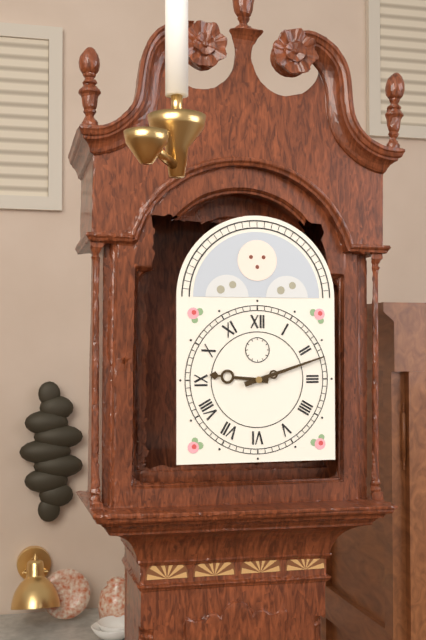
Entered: **9:12**
